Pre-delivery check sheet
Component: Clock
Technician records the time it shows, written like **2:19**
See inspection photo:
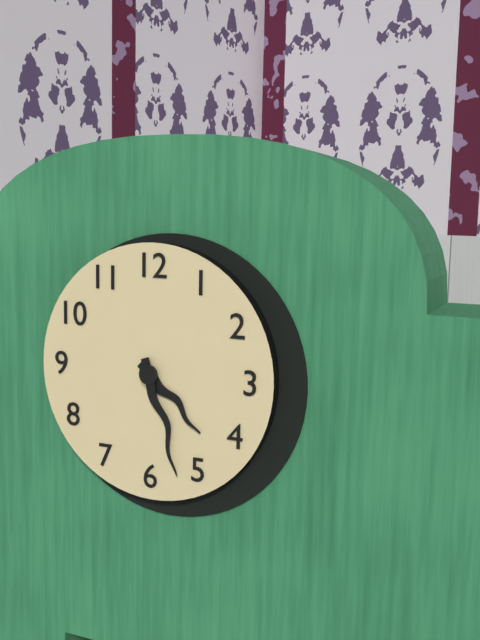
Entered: **4:27**
